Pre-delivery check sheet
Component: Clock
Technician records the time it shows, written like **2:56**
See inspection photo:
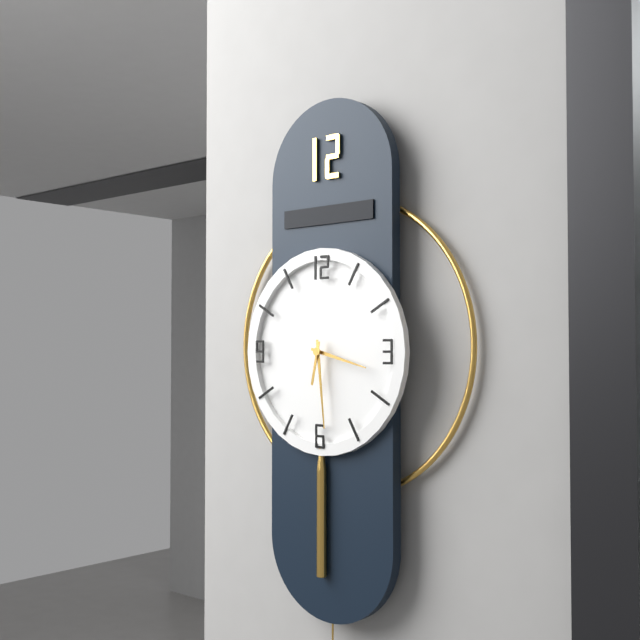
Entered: **3:29**
